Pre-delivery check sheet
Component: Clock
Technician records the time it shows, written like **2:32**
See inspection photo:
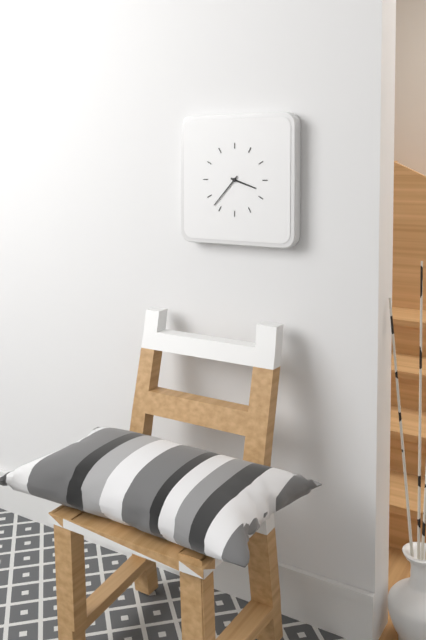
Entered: **3:37**
